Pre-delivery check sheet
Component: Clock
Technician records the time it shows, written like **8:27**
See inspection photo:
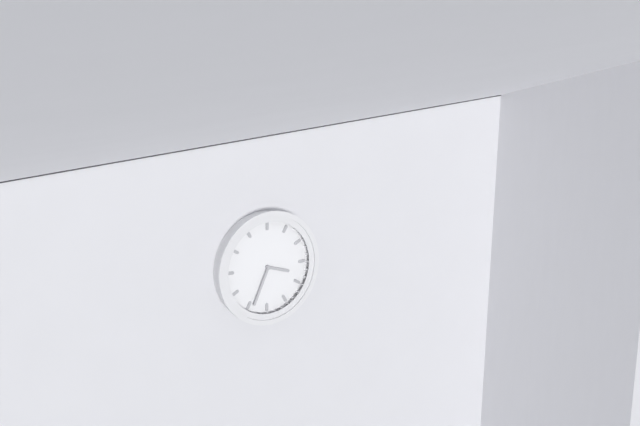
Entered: **3:34**
